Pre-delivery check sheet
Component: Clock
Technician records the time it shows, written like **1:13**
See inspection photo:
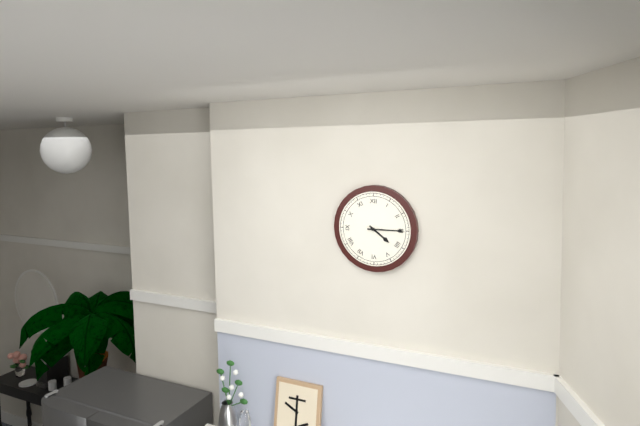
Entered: **4:15**
